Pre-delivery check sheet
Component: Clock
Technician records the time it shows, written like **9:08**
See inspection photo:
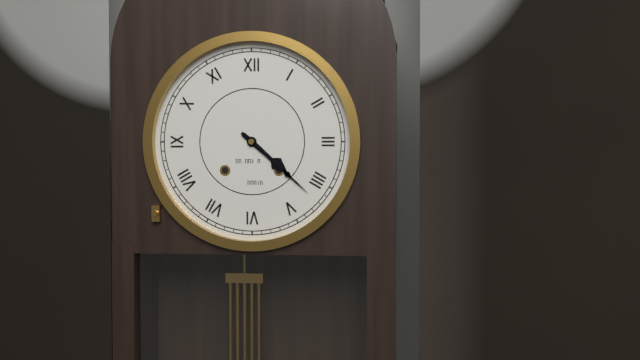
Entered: **4:22**
